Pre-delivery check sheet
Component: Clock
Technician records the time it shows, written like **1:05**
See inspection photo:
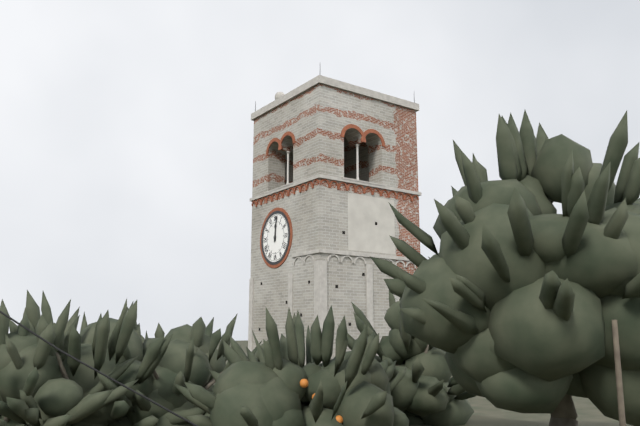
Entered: **12:01**
